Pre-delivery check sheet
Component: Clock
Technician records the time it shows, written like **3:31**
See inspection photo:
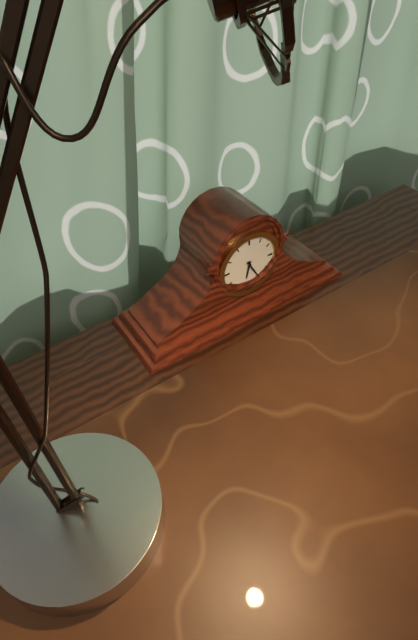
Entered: **6:25**
